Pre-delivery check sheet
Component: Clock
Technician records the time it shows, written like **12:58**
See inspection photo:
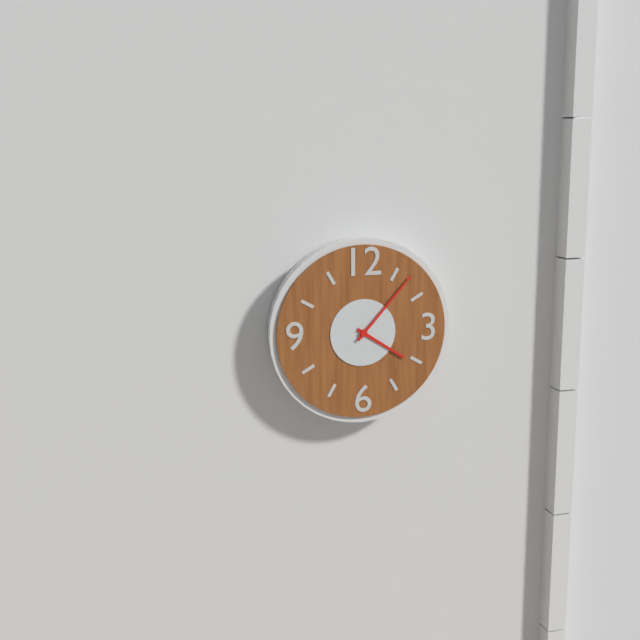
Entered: **4:07**
